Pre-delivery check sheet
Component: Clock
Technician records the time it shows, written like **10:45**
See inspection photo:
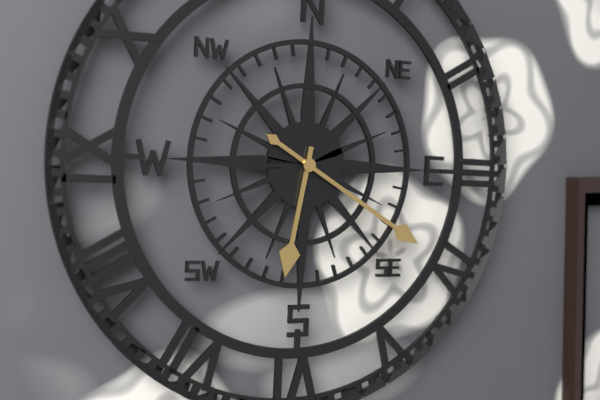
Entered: **6:20**
